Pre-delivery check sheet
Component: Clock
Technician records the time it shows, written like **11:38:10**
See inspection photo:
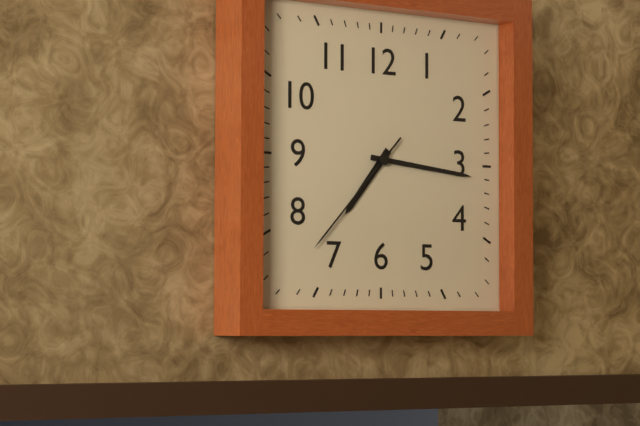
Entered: **7:16:37**
